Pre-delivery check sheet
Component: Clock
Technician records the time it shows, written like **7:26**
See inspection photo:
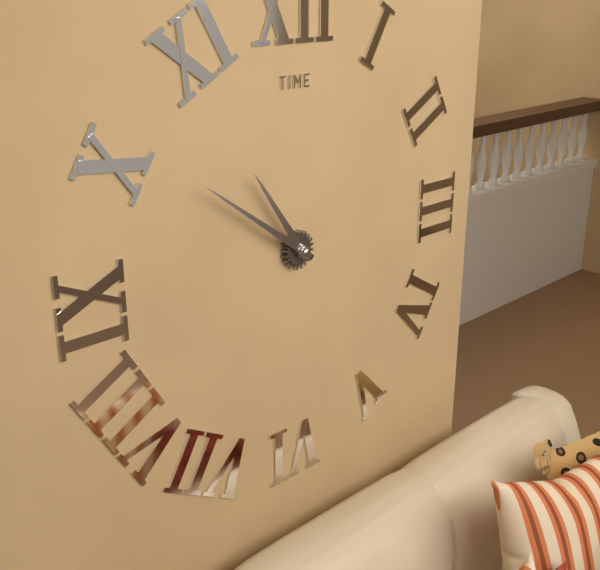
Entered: **10:51**
